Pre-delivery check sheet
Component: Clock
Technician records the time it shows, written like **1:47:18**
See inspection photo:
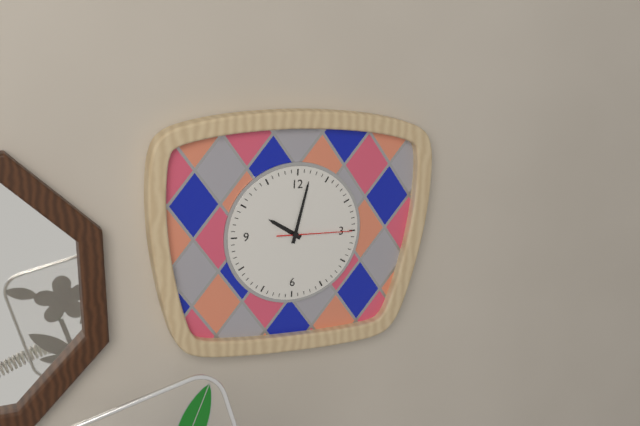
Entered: **10:02:15**
